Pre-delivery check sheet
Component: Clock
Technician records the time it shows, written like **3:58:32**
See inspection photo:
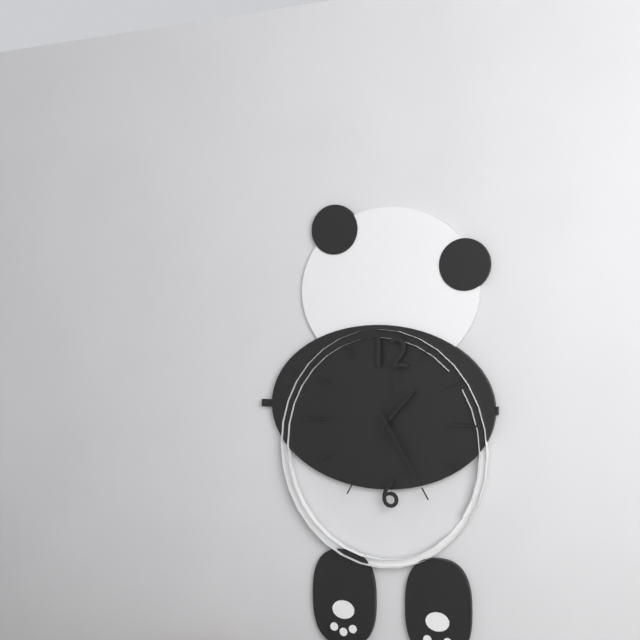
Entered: **1:25:02**
